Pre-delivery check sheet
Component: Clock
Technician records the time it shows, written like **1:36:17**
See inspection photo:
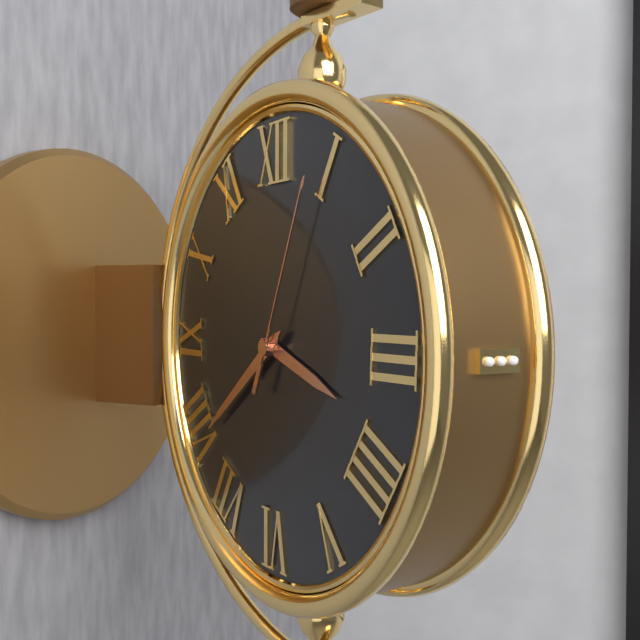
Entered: **3:39:04**
